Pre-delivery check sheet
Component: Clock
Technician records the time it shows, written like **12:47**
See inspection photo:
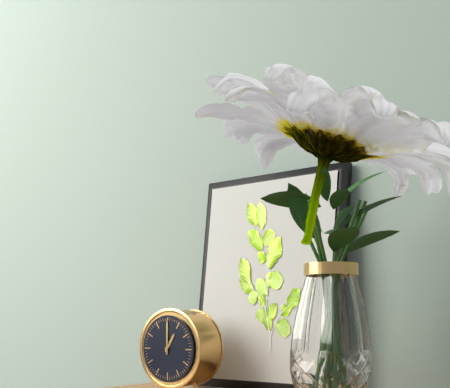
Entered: **1:00**
